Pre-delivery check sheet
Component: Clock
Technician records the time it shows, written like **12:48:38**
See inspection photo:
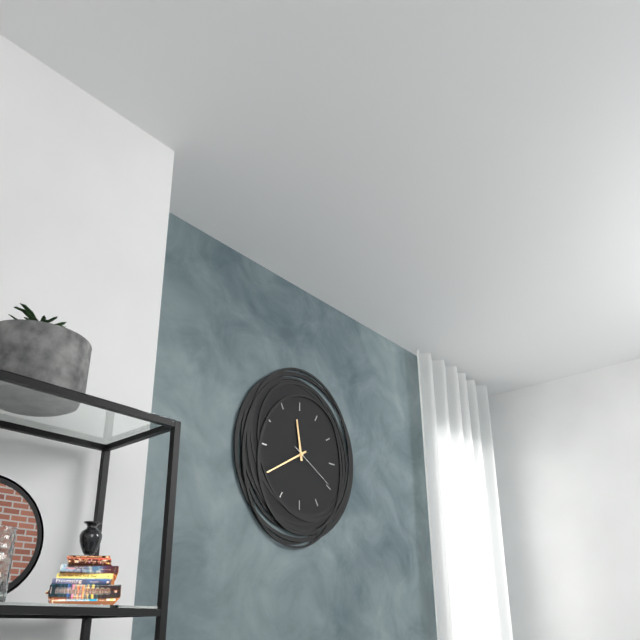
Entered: **11:40:20**
